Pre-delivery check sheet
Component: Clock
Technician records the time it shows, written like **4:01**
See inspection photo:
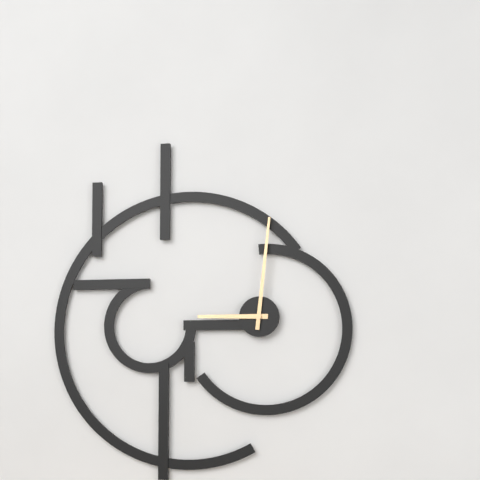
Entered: **9:01**
